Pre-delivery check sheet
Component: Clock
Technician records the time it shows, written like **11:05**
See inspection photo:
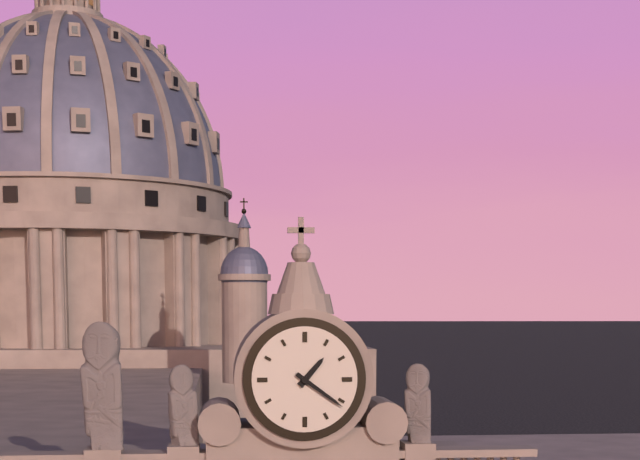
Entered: **1:21**
